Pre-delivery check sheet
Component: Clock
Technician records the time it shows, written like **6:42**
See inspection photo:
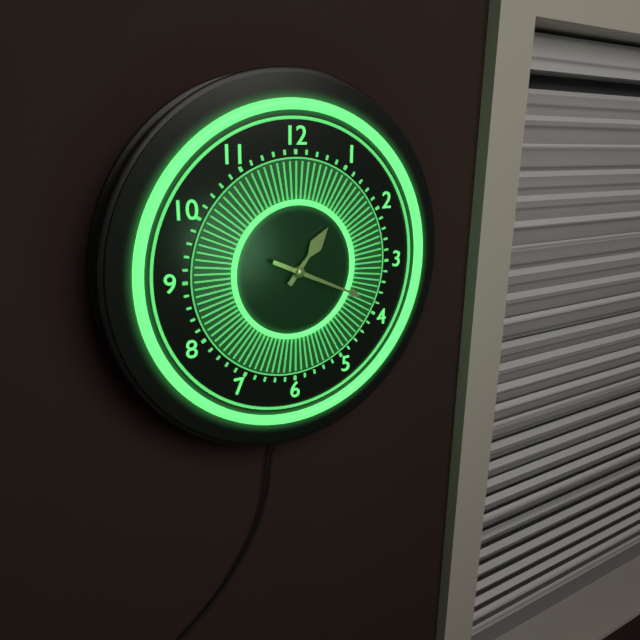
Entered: **1:19**
